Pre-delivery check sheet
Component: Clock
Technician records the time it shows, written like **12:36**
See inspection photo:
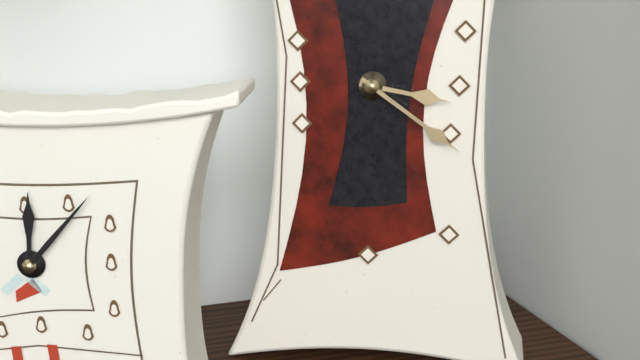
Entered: **3:21**
